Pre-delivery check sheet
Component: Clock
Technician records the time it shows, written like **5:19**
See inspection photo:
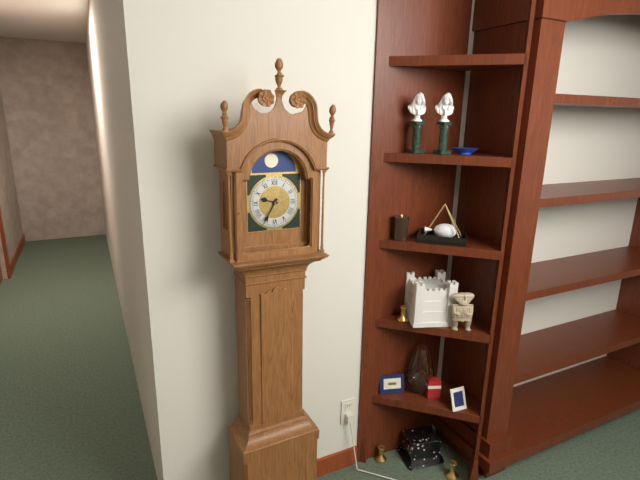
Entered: **9:35**
